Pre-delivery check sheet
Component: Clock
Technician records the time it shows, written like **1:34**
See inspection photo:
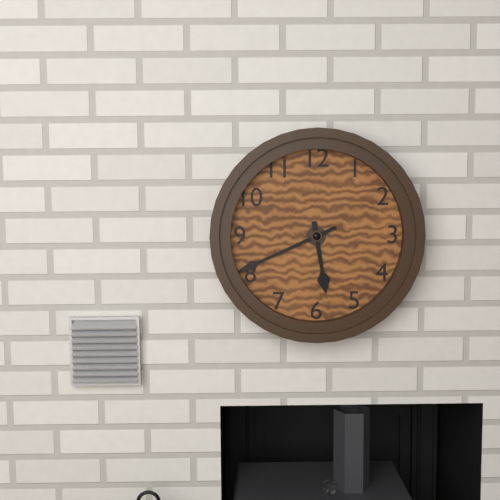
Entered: **5:41**
